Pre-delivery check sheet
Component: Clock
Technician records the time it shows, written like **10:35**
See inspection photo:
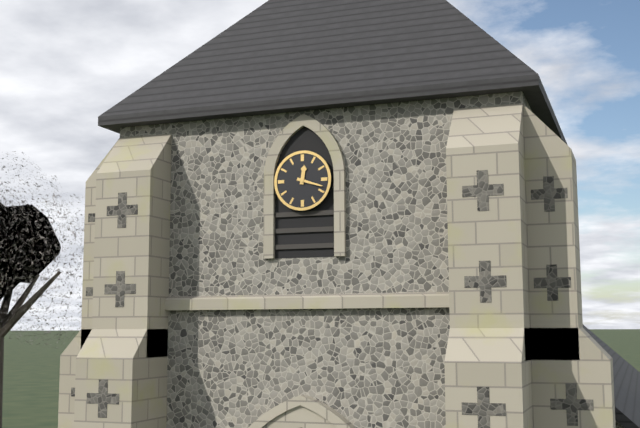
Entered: **12:18**
